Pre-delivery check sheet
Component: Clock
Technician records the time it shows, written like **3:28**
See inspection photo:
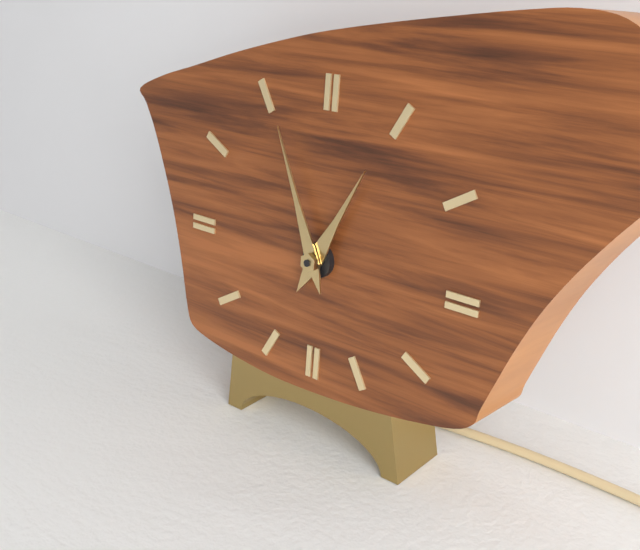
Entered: **12:56**
